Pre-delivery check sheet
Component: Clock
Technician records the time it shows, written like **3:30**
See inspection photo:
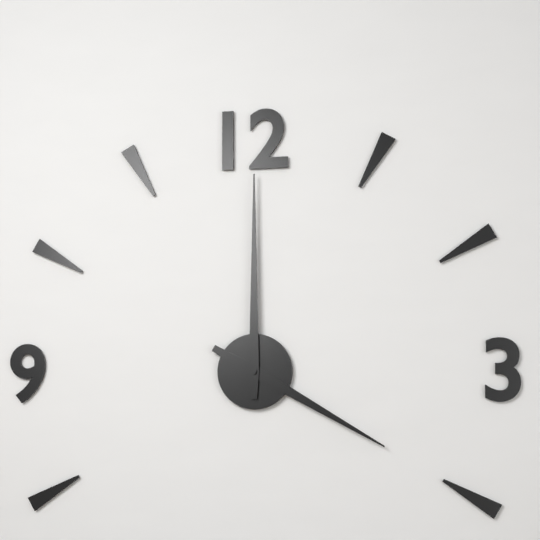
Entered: **4:00**
